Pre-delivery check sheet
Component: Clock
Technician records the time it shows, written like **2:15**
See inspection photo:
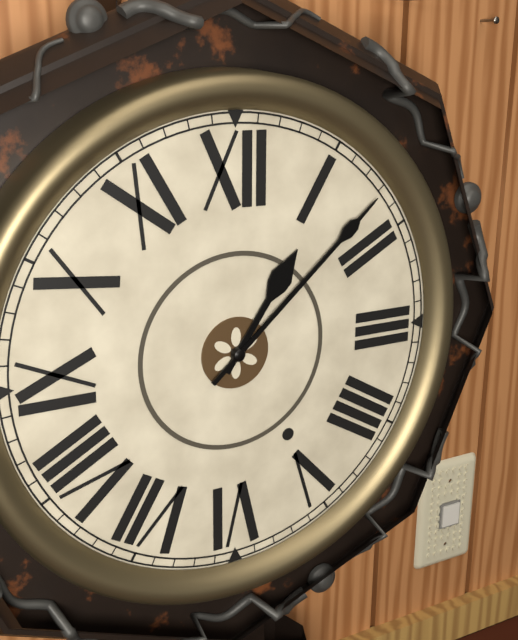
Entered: **1:08**
